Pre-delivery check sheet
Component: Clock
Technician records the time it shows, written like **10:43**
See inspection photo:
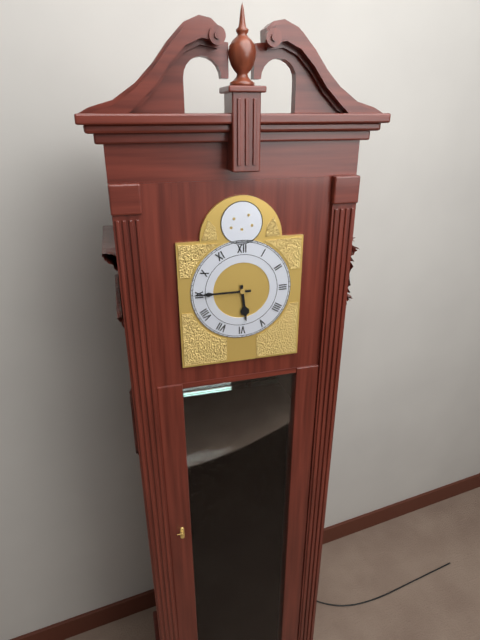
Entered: **5:45**
